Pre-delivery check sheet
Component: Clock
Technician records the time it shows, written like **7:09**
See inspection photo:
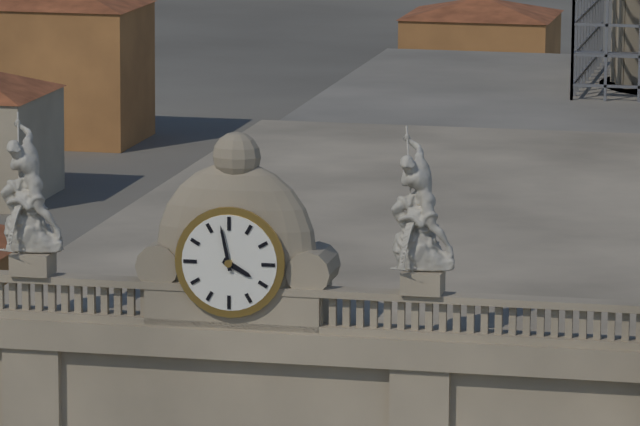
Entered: **3:58**
